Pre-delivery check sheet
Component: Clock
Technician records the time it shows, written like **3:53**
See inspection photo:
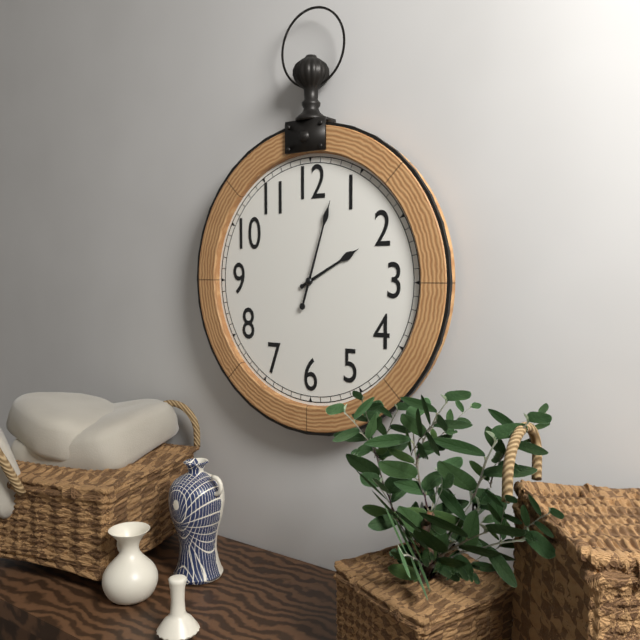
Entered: **2:03**
